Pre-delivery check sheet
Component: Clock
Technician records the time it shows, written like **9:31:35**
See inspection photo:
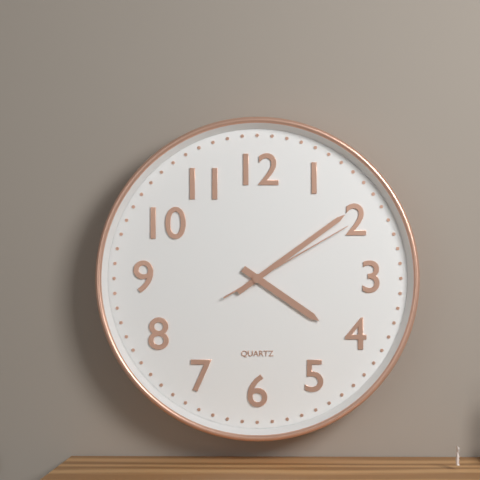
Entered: **4:09:10**
